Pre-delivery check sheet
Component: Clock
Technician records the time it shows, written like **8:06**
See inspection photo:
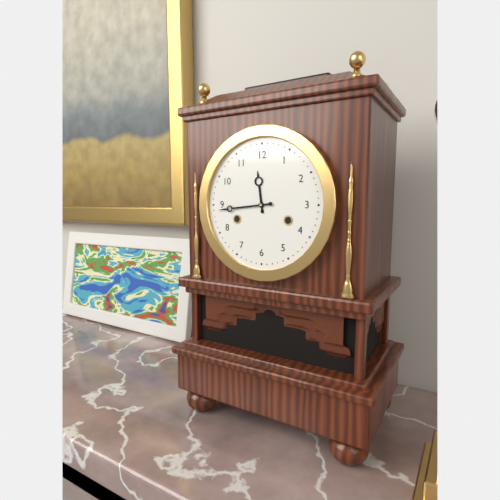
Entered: **11:44**
